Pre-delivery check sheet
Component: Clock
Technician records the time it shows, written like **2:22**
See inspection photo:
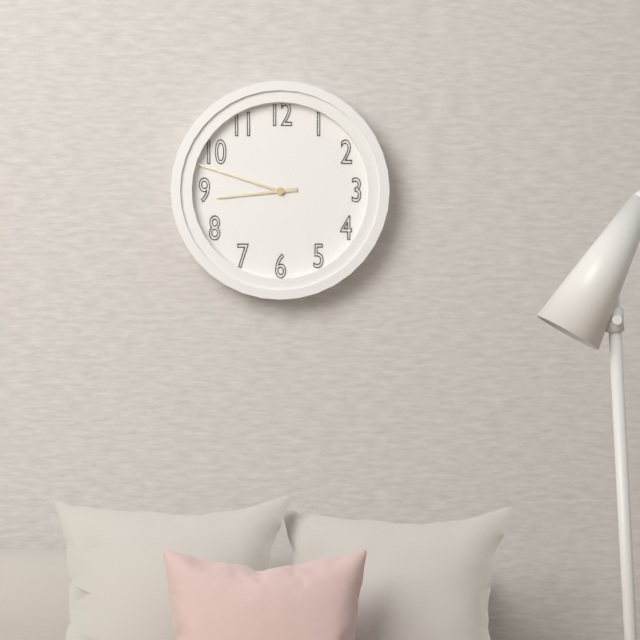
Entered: **8:48**
